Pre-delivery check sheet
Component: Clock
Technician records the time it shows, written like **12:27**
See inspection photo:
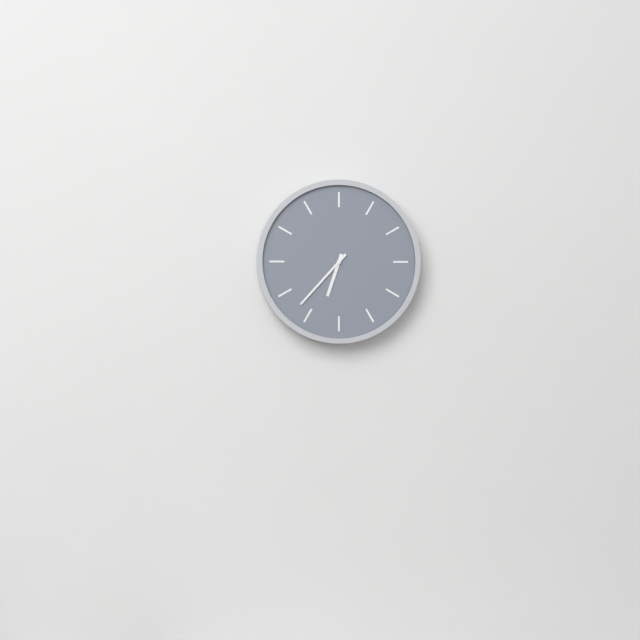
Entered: **6:37**
